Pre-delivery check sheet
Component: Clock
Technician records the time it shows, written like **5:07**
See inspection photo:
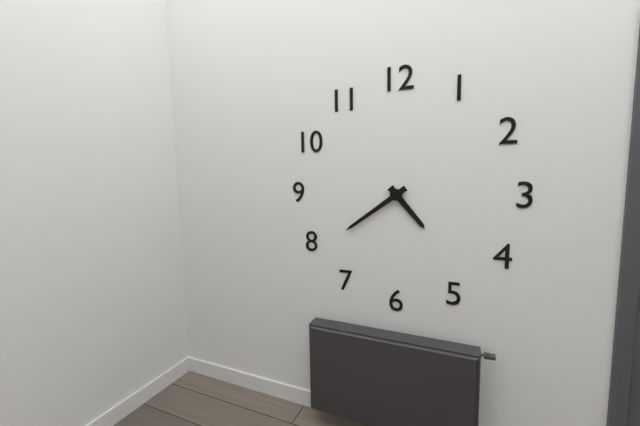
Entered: **4:39**
